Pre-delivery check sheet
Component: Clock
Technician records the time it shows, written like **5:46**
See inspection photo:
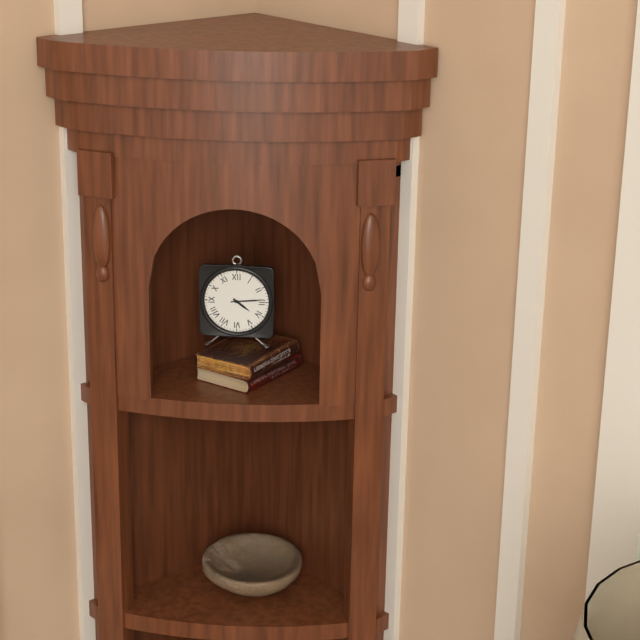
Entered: **4:14**
